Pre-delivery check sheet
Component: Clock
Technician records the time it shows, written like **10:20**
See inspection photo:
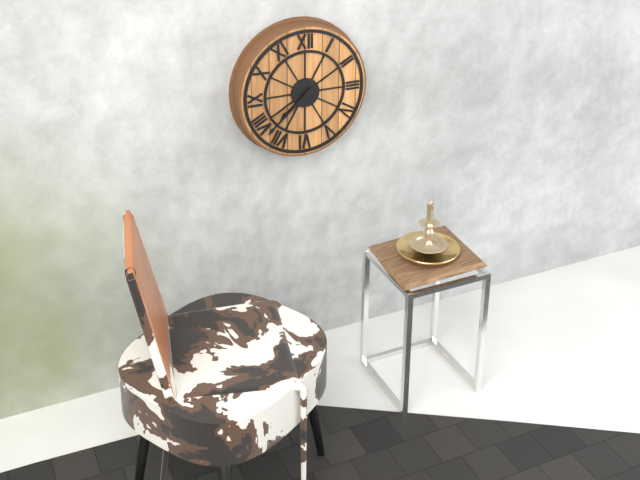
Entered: **7:38**
